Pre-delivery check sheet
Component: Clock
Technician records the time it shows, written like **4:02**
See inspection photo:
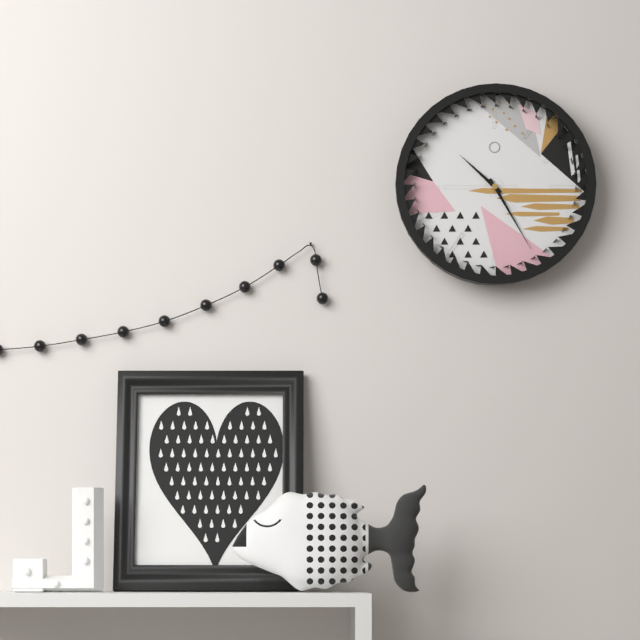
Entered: **10:25**
